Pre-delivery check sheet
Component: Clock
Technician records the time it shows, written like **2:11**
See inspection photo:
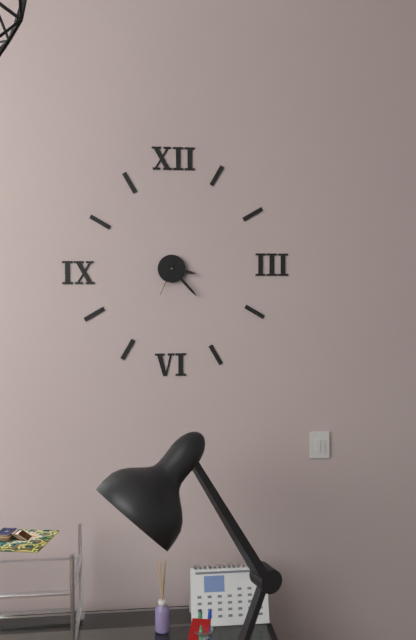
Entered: **3:23**
